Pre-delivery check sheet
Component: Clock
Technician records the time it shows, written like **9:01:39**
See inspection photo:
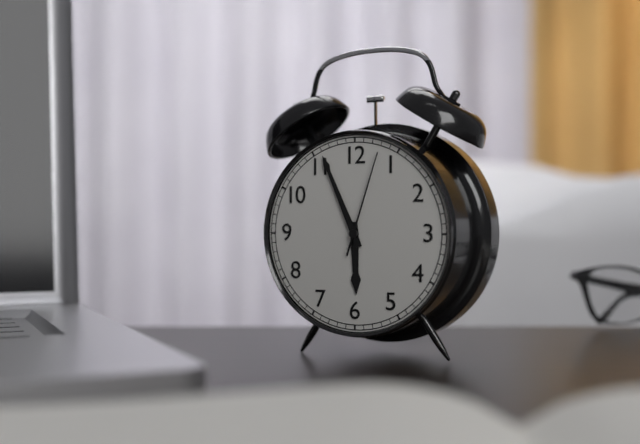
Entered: **5:56:03**
